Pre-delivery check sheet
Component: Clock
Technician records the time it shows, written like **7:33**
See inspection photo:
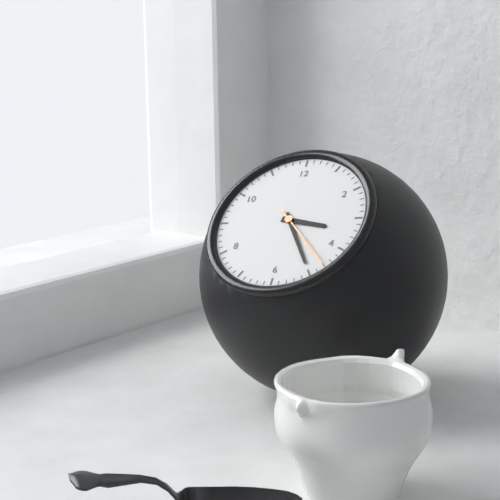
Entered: **3:25**
